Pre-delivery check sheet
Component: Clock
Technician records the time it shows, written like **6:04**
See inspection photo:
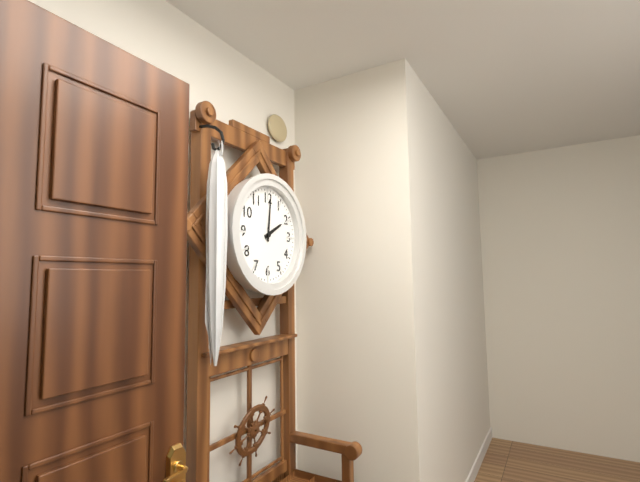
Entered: **2:01**
